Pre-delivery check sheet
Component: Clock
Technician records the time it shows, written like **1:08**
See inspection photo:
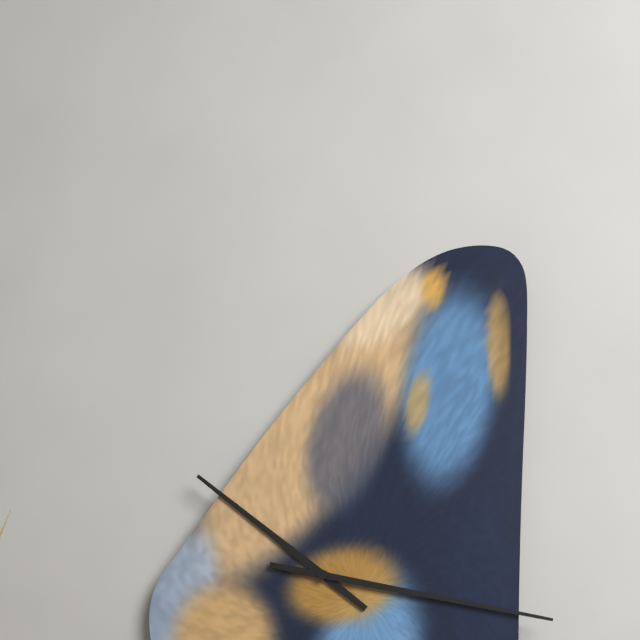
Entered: **10:17**
